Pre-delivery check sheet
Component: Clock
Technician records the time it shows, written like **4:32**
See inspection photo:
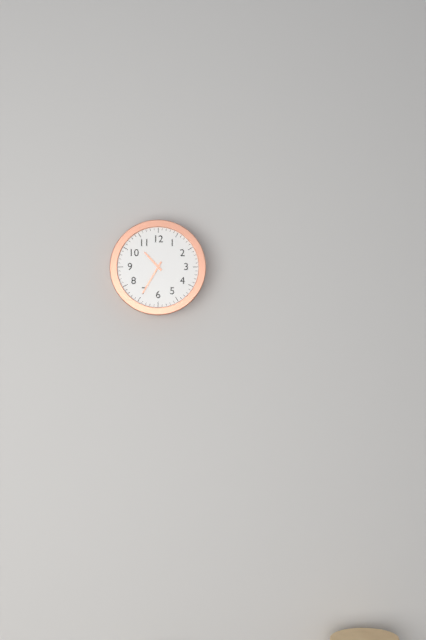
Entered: **10:35**
